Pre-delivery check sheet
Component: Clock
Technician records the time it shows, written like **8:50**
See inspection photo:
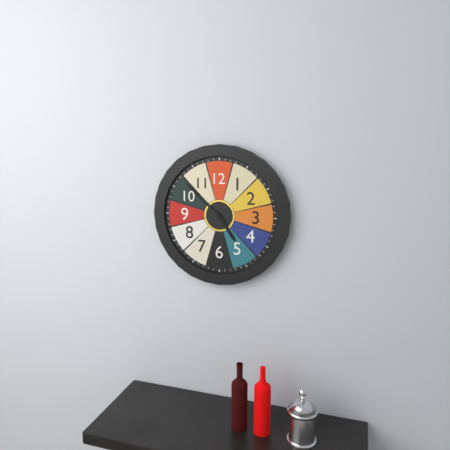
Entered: **4:52**
